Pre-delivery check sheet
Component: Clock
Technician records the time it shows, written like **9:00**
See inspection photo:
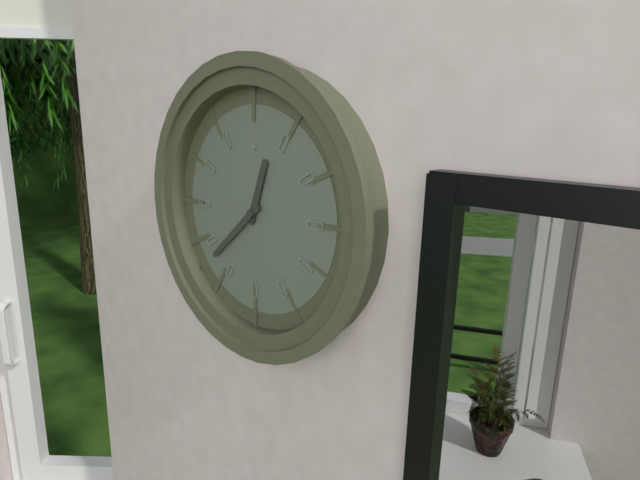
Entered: **12:38**
